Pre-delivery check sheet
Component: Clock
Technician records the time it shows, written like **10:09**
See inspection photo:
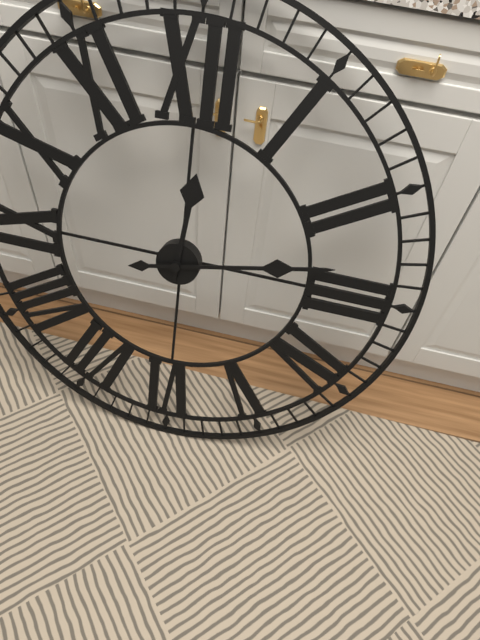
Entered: **12:13**
